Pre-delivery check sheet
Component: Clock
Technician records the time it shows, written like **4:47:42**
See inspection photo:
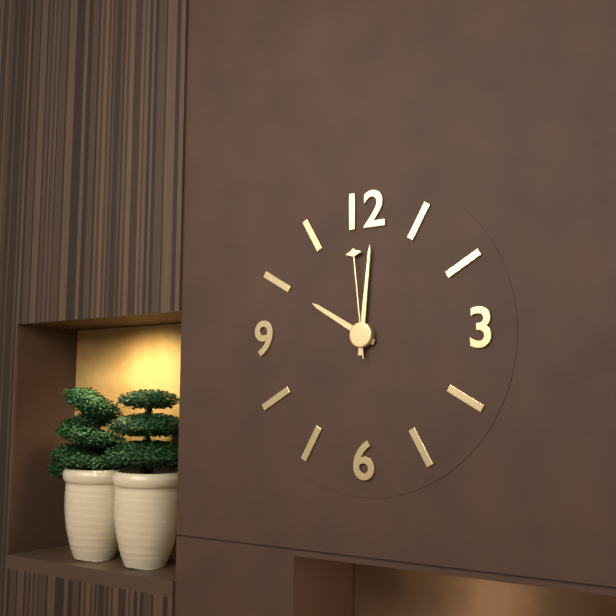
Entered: **10:01:59**
